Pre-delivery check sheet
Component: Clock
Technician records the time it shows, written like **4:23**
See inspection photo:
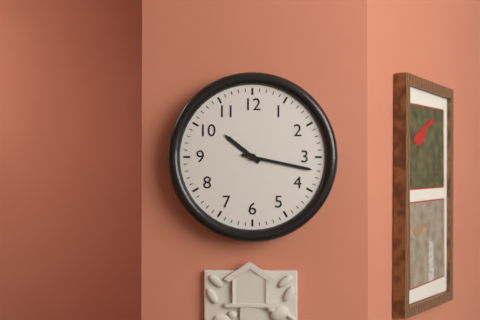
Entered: **10:17**
